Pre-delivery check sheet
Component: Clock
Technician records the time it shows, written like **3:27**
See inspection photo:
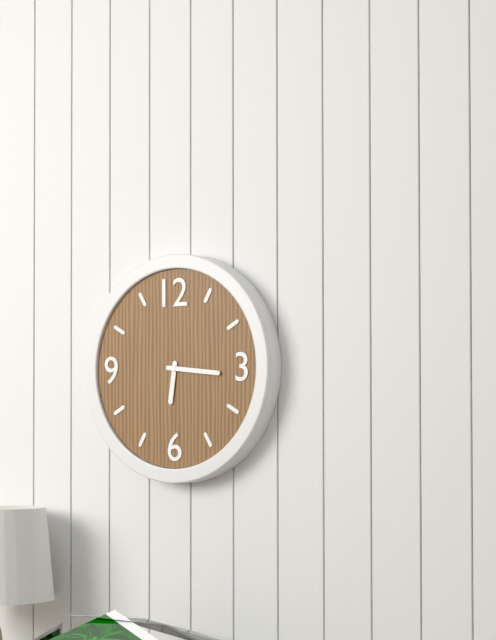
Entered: **6:16**
